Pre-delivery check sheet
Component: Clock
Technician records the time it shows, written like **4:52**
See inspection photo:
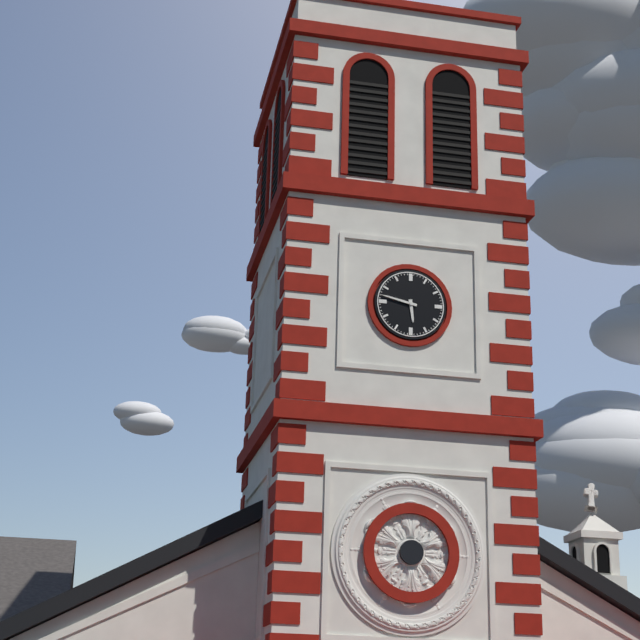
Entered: **5:47**
